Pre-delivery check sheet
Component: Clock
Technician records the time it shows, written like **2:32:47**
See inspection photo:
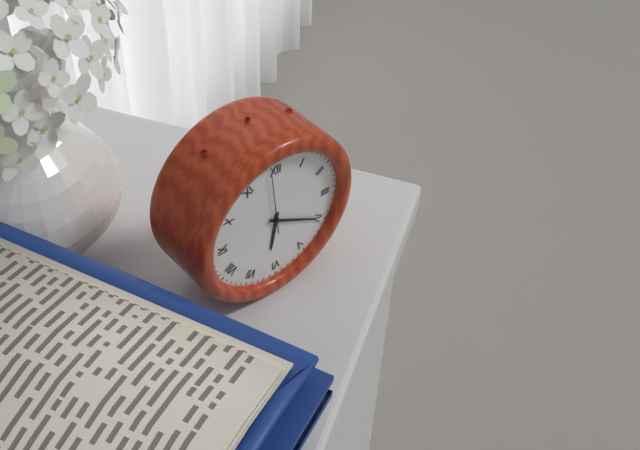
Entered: **6:20:59**
